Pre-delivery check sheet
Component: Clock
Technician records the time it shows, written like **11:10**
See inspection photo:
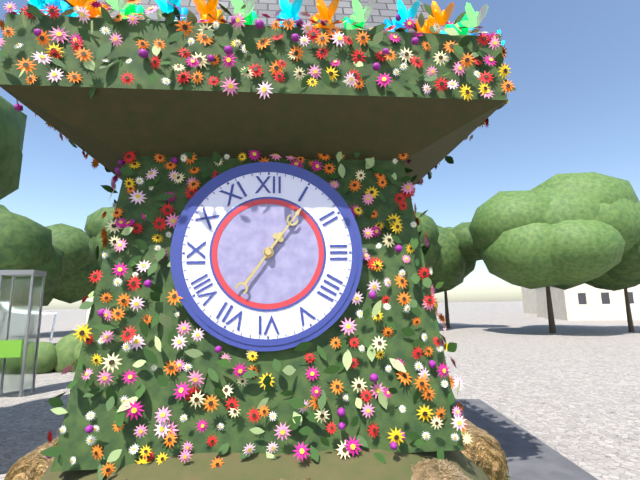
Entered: **1:06**
